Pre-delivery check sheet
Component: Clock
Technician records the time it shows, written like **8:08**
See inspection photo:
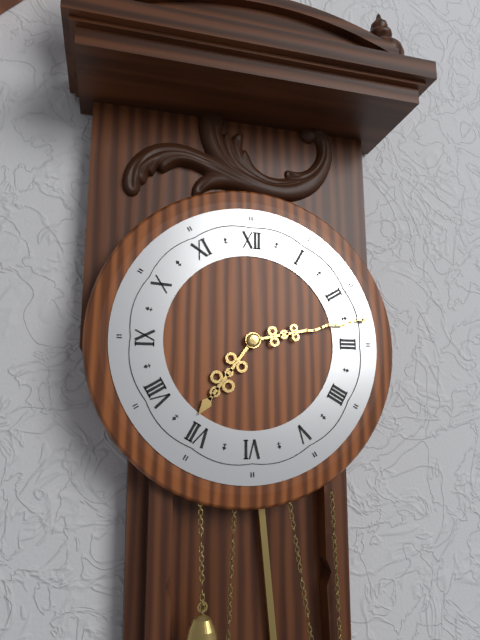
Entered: **7:13**
